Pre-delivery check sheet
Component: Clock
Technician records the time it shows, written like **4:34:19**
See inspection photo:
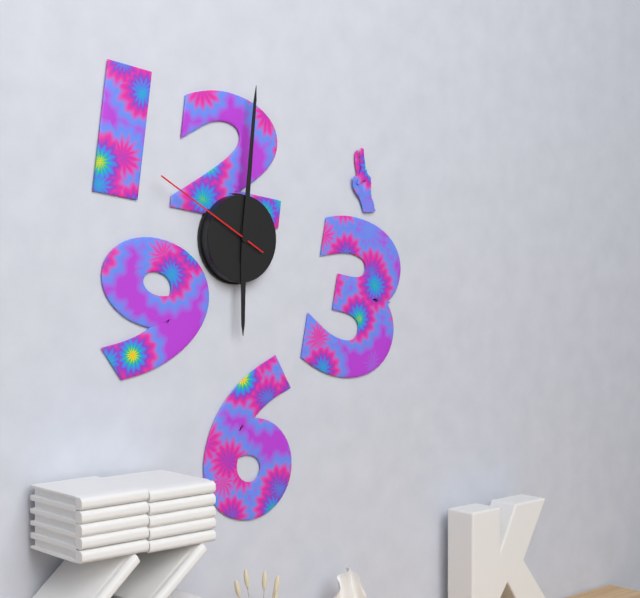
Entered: **6:01:50**
